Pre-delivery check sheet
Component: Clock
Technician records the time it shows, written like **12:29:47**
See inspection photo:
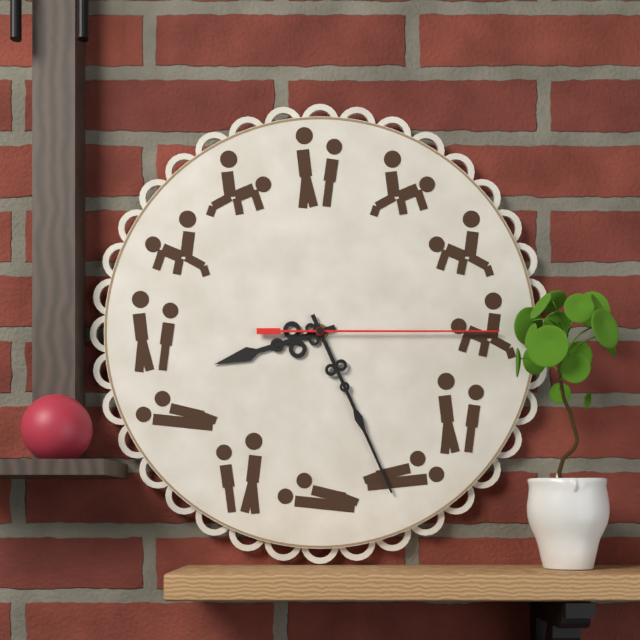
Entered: **8:26:15**
